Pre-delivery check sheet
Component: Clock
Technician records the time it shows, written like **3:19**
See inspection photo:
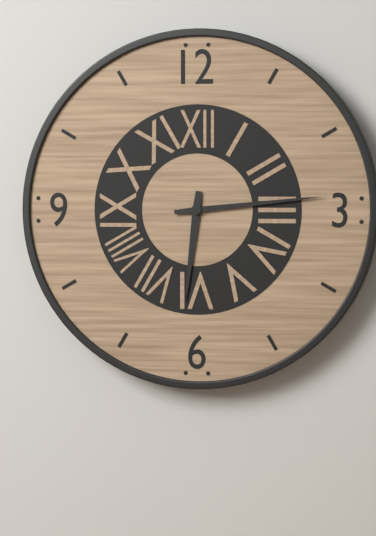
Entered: **6:14**
